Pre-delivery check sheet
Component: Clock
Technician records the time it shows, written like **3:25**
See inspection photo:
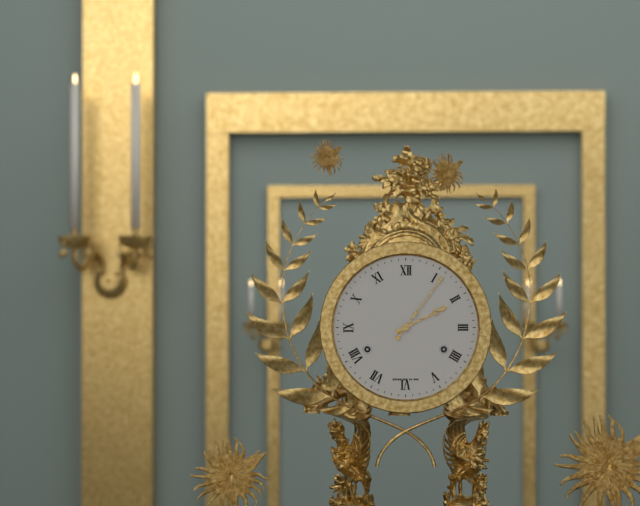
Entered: **2:06**
